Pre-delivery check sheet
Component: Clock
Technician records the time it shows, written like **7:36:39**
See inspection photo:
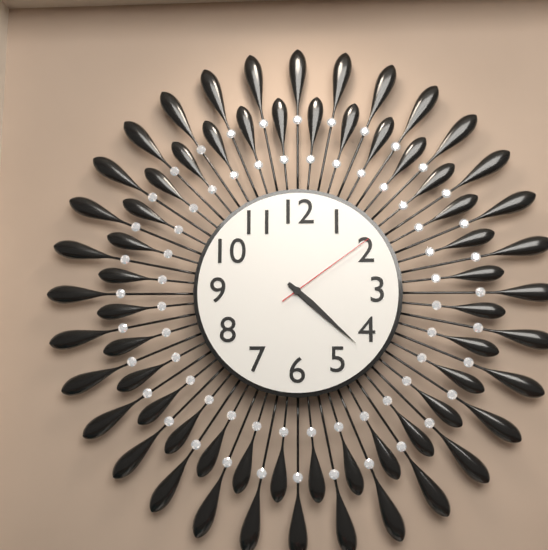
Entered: **4:22:09**
